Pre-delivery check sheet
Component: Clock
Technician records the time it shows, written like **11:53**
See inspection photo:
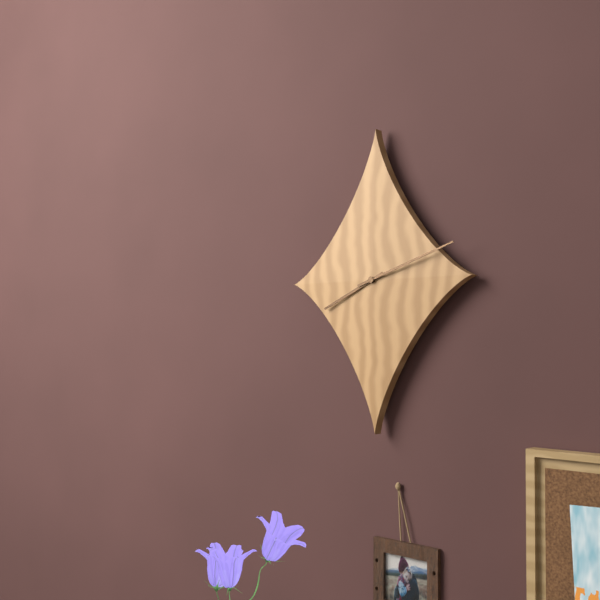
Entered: **8:12**
